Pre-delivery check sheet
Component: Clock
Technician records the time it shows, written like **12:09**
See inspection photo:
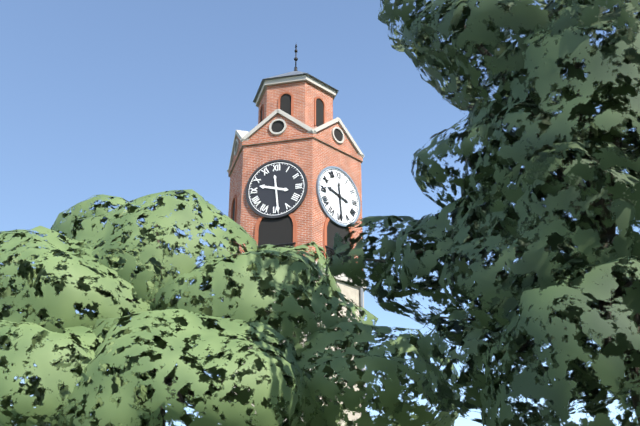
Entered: **9:29**
